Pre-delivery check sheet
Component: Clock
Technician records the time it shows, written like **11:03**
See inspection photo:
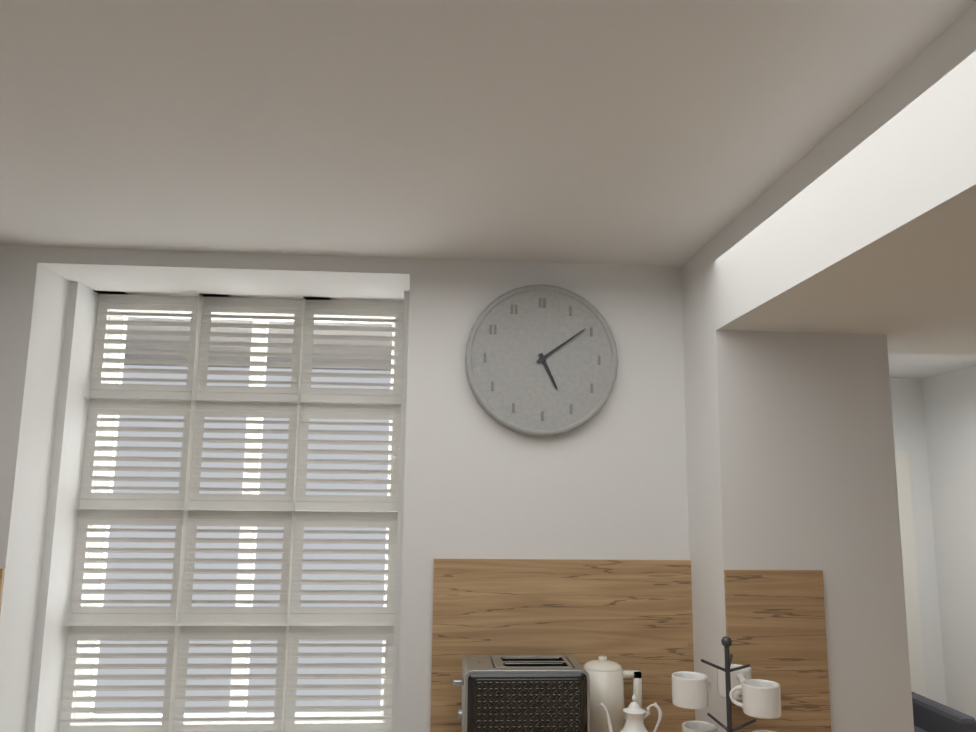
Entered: **5:09**
